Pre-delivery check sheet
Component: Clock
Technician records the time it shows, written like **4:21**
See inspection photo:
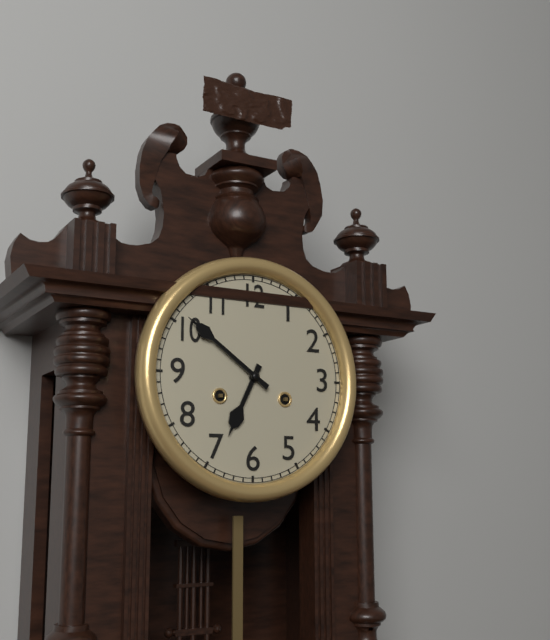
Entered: **6:51**
